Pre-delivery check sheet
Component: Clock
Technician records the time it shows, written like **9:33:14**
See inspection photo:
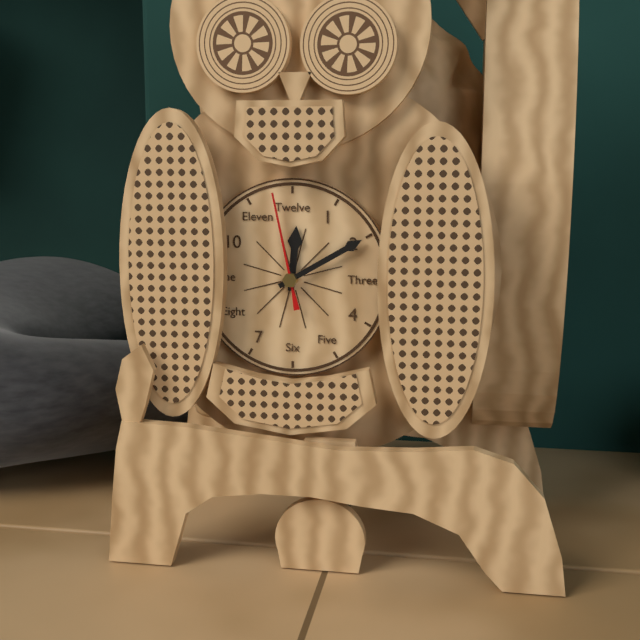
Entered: **12:10:58**
